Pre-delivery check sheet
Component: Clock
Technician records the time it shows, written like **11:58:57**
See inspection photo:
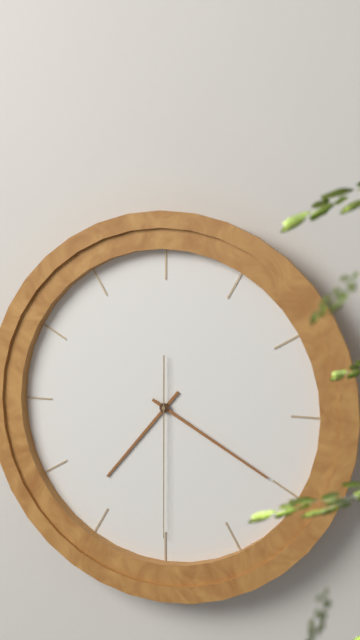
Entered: **7:20:30**
